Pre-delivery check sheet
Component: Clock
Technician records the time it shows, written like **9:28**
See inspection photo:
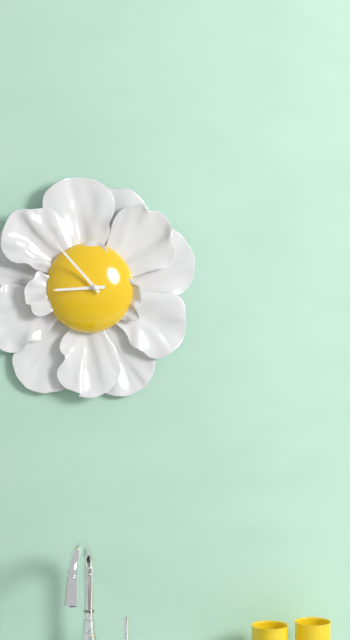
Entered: **8:53**
